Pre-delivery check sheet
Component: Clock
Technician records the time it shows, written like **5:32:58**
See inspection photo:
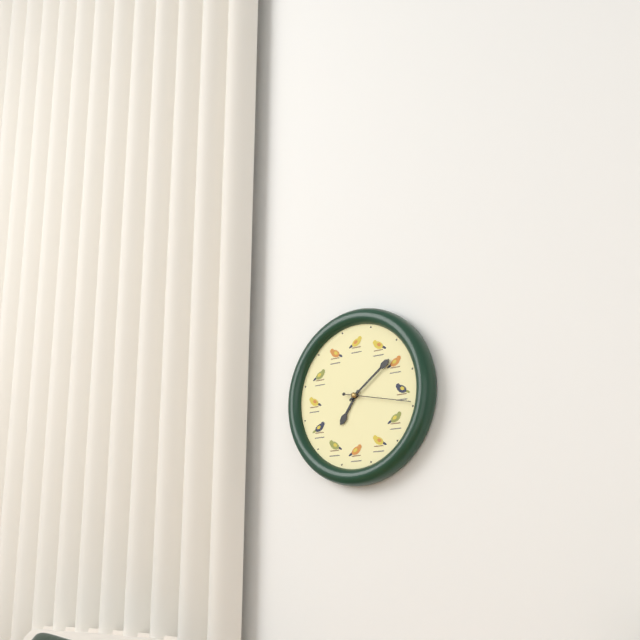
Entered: **7:09:17**
